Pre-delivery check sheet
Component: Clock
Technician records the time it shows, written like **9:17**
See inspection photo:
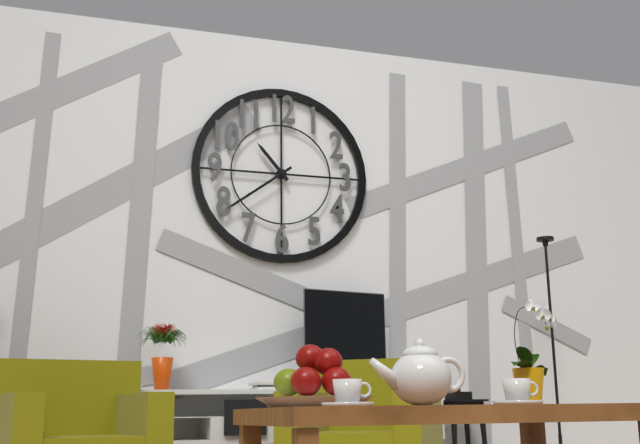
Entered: **10:39**
